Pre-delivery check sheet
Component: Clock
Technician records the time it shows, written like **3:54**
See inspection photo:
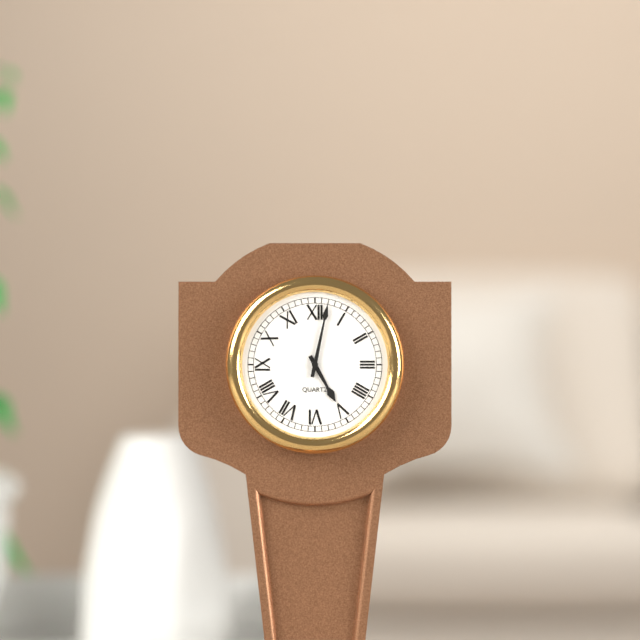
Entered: **5:02**
